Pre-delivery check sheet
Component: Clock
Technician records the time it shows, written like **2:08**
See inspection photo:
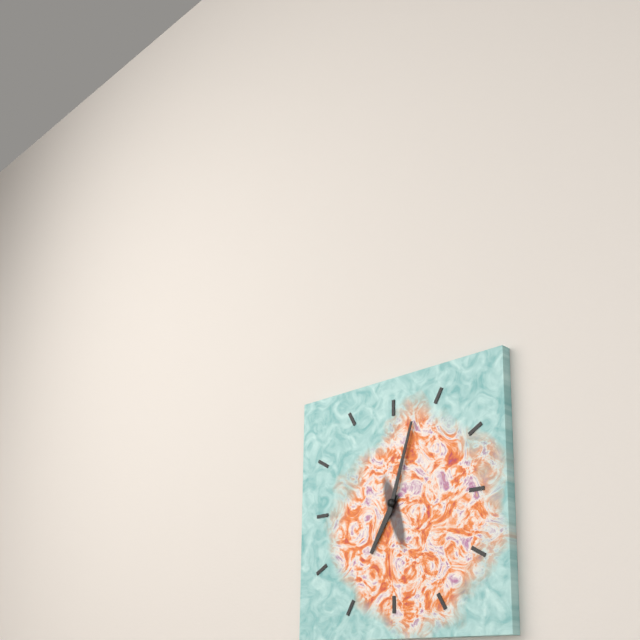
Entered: **7:03**
